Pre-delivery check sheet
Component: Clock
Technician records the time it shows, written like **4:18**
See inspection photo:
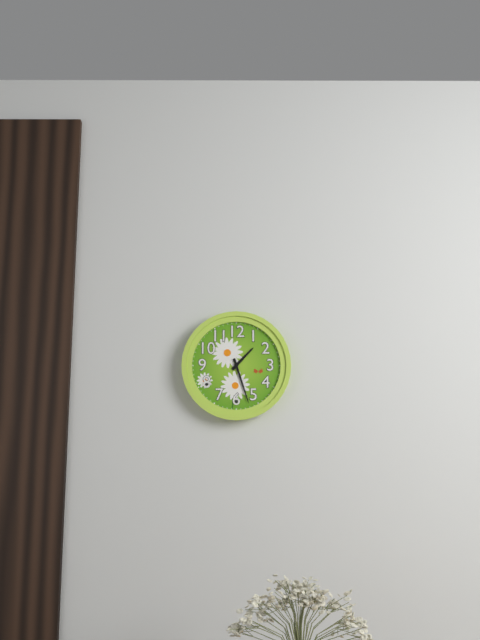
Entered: **1:27**
